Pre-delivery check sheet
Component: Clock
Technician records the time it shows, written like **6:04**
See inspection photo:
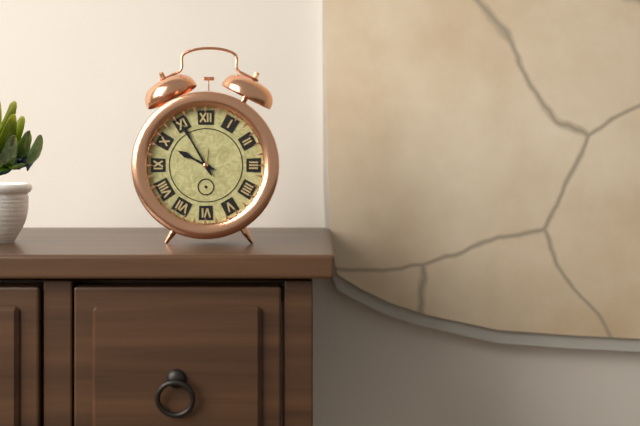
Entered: **9:55**
